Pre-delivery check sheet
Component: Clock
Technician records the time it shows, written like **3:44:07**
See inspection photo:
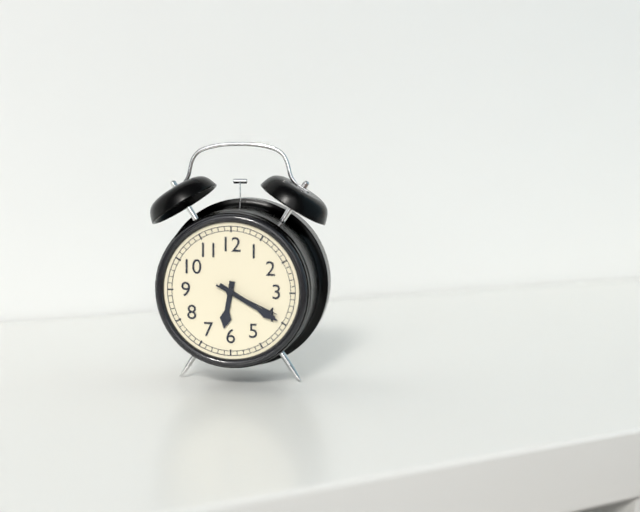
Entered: **6:20:19**
